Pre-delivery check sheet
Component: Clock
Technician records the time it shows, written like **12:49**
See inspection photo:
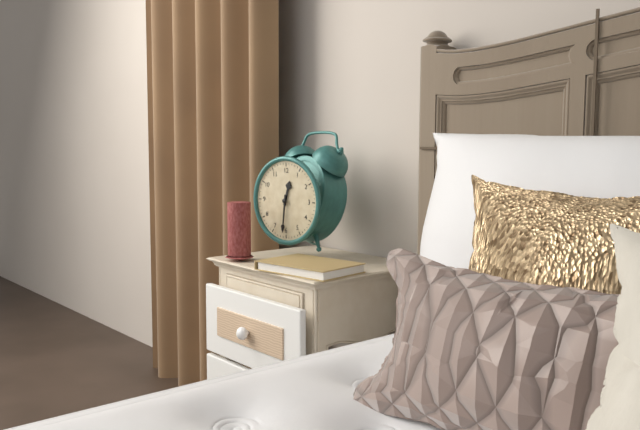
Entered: **12:31**
